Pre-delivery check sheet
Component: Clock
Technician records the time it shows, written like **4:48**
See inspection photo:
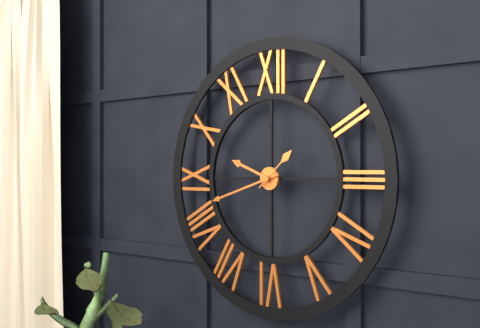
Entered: **9:42**
